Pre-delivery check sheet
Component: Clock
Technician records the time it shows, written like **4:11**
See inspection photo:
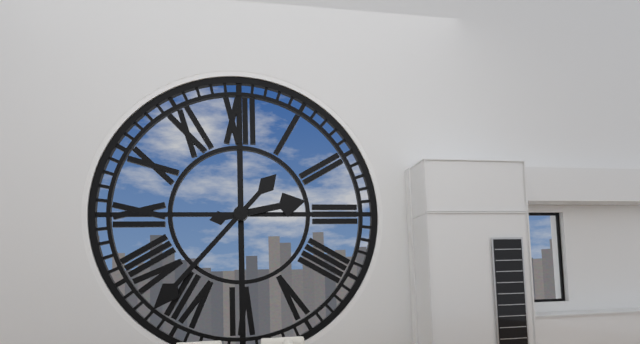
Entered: **2:37**
